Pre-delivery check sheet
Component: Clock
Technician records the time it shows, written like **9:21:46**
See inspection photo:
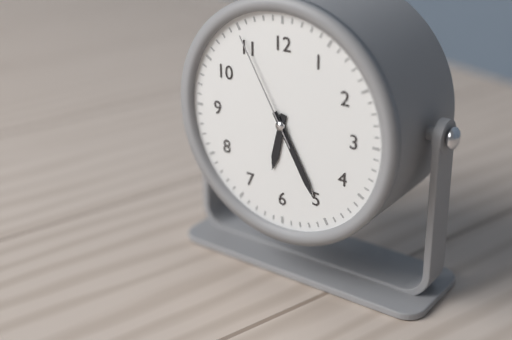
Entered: **6:25:55**
